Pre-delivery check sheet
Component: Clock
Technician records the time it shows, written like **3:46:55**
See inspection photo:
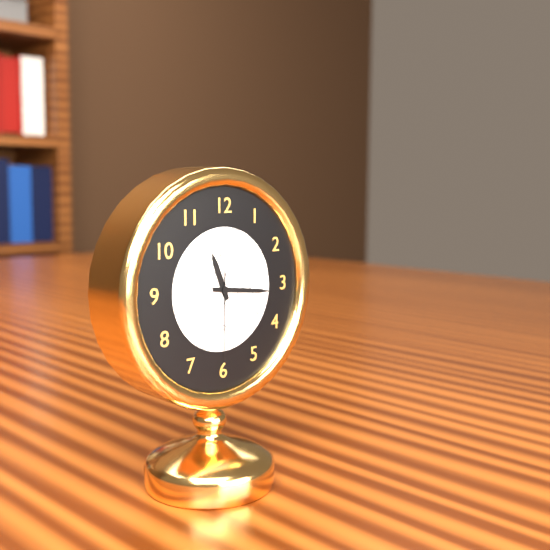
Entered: **11:16:30**
